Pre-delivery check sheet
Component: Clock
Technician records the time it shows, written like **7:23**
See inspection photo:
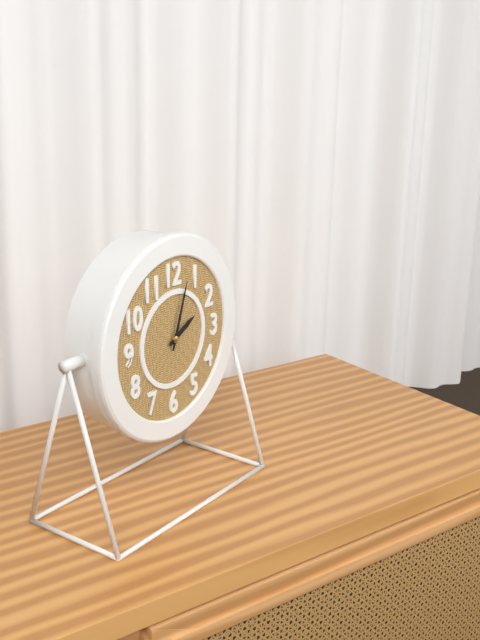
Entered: **2:03**
